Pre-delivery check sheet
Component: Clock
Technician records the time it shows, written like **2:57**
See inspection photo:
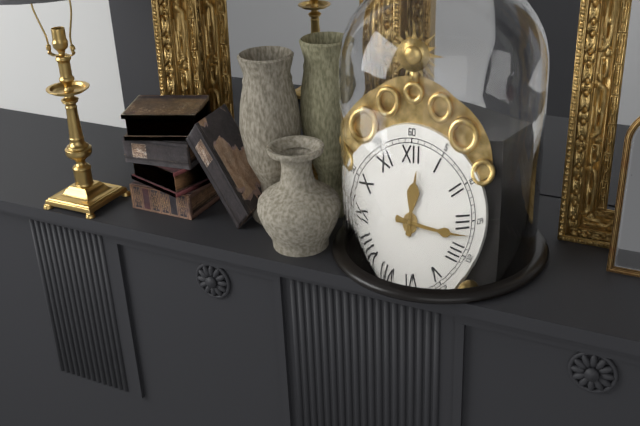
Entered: **12:17**
